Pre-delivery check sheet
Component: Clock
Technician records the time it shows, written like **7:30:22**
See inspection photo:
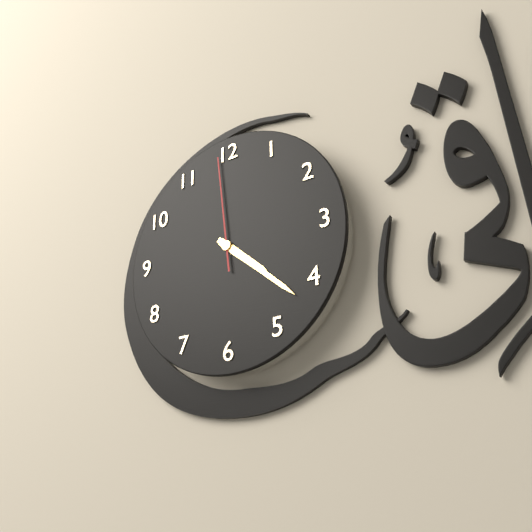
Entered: **4:22:59**
